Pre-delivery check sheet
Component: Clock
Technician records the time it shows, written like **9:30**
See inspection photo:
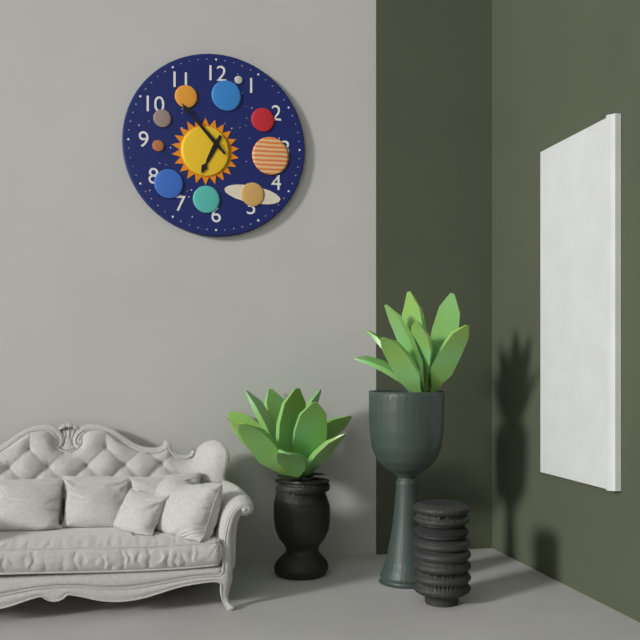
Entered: **6:53**
